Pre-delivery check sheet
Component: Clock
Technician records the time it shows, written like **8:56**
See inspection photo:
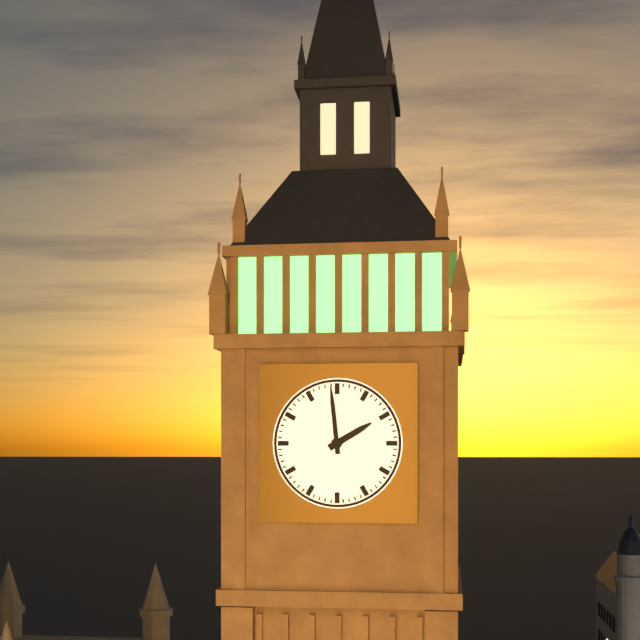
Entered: **1:59**
